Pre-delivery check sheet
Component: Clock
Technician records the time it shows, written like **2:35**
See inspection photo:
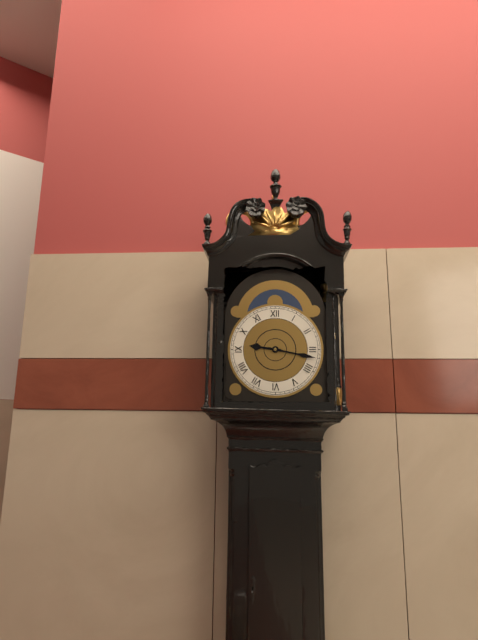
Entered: **9:17**
